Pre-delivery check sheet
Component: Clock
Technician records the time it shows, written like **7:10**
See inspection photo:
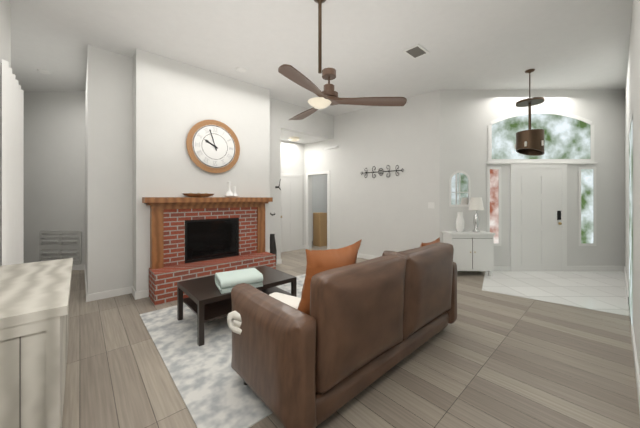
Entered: **9:57**
